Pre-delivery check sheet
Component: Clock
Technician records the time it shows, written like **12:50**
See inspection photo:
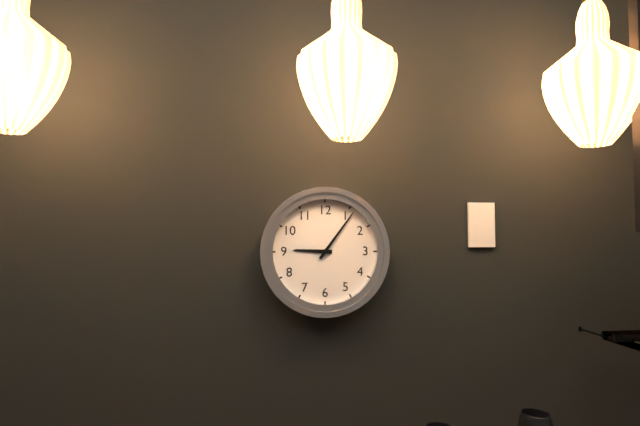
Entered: **9:06**
